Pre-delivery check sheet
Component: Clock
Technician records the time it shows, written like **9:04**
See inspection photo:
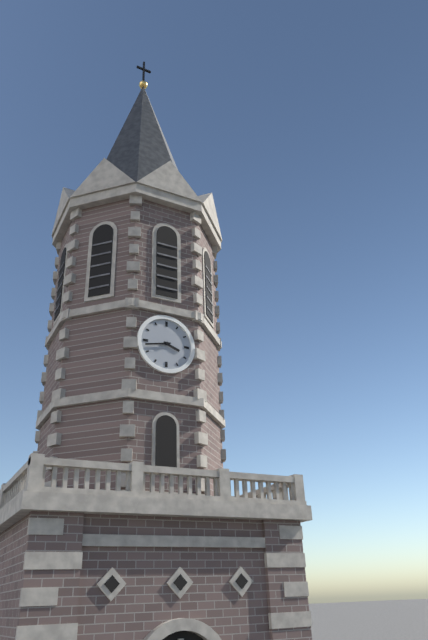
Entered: **3:43**
